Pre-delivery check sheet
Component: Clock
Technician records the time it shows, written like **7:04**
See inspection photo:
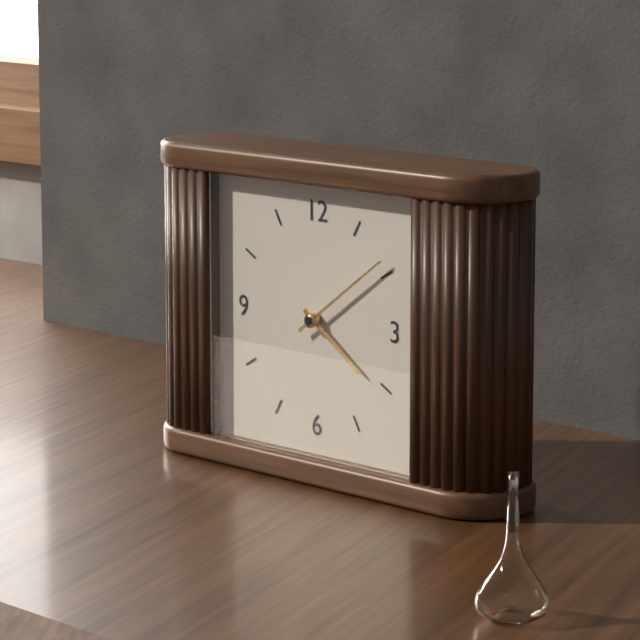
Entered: **4:09**
